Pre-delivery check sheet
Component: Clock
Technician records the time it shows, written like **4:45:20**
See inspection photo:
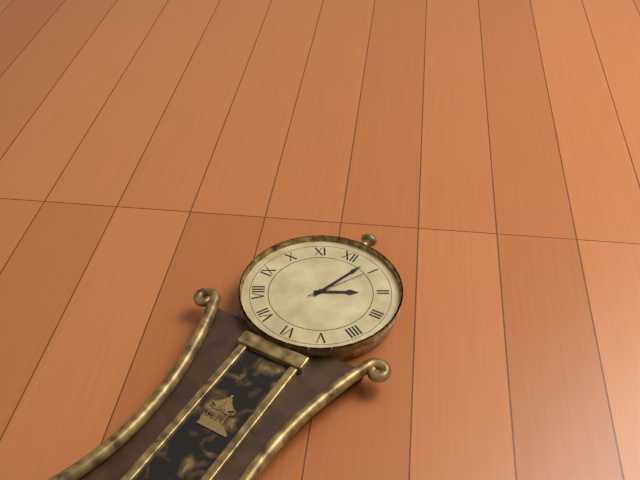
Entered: **2:03:05**
